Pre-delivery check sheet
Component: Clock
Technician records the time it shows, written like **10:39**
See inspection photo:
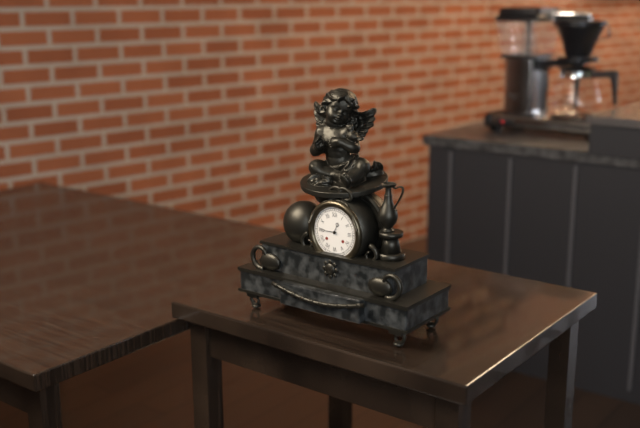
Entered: **12:45**
